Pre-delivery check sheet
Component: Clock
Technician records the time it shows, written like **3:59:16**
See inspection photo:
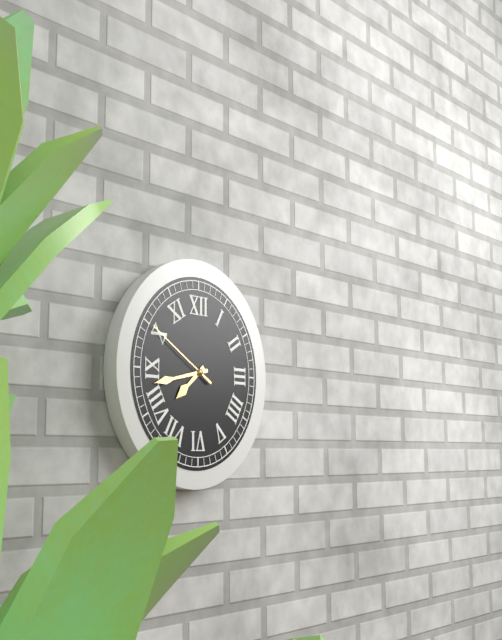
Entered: **7:43:50**
